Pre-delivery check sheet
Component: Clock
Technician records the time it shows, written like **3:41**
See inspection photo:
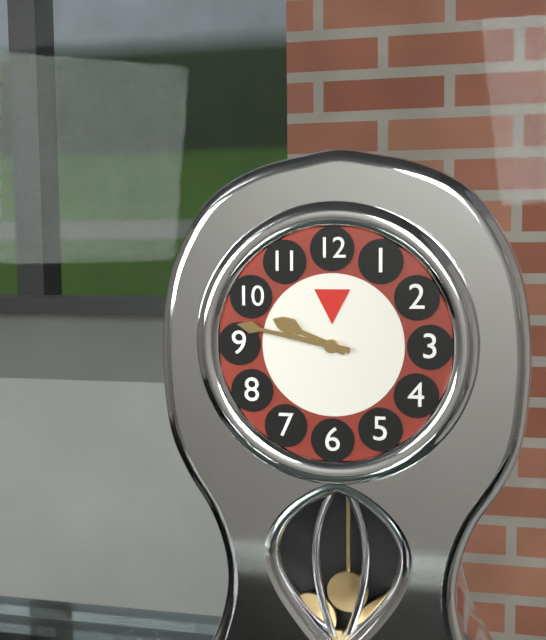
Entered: **9:47**
